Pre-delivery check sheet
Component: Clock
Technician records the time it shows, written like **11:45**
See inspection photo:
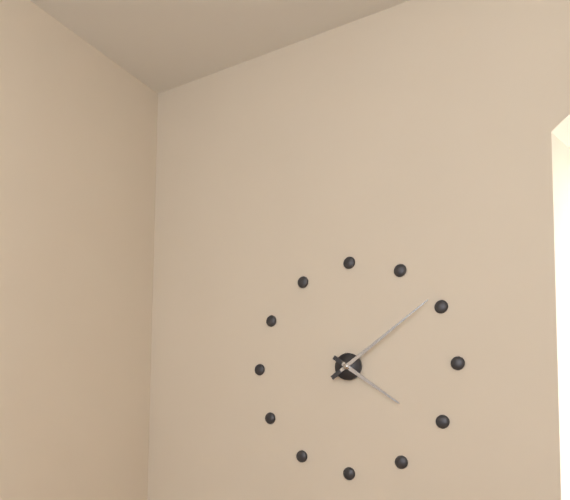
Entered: **4:09**
